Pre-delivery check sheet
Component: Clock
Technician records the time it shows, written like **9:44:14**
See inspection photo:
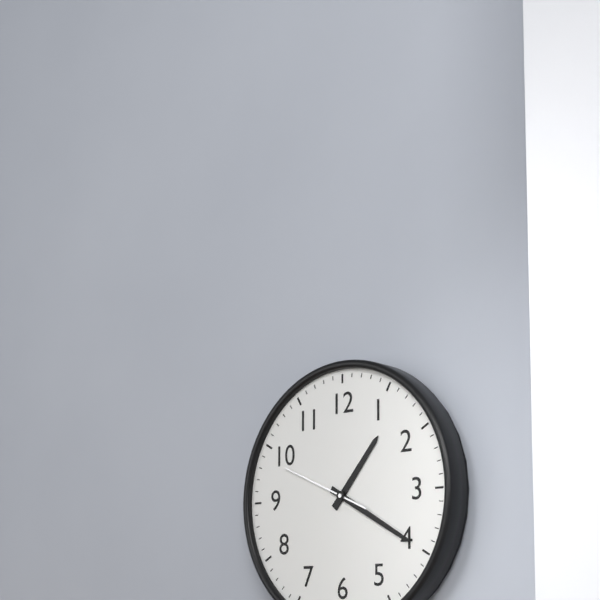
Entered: **1:20:49**
